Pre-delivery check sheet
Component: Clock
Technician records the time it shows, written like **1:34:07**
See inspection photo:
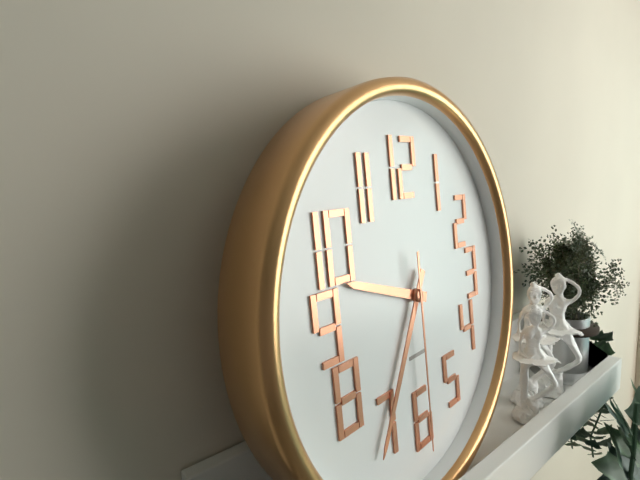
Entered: **9:35:30**
